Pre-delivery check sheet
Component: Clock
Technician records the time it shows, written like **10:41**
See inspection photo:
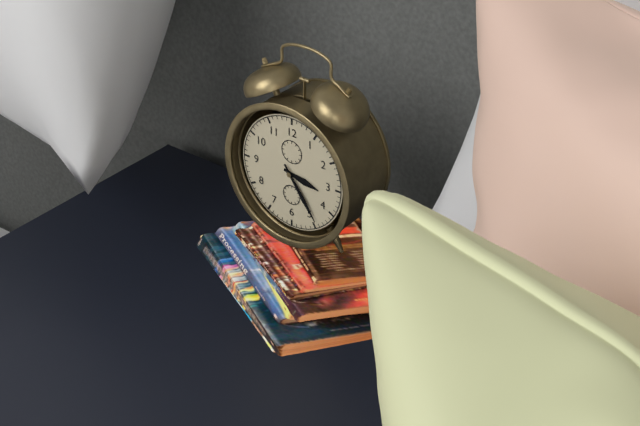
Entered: **3:24**
